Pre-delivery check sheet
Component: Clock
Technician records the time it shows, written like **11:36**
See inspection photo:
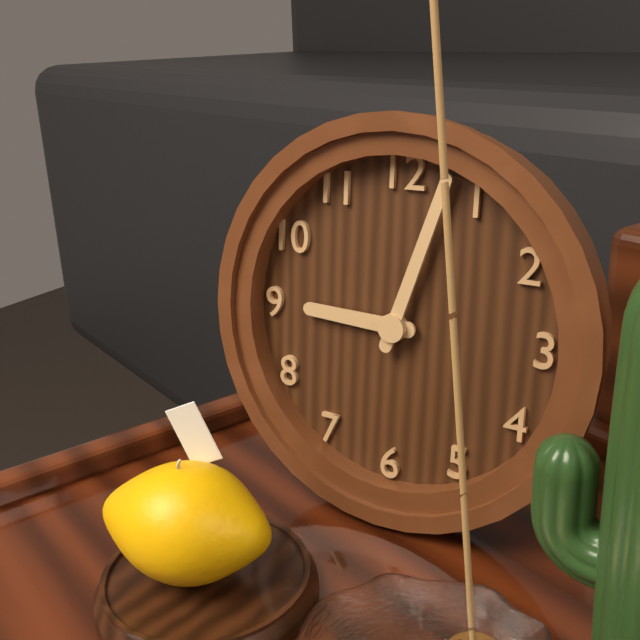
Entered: **9:03**
